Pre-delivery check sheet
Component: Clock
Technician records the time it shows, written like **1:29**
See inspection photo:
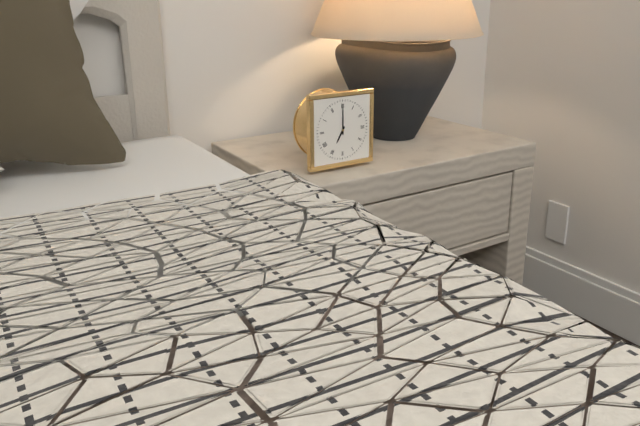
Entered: **7:00**
